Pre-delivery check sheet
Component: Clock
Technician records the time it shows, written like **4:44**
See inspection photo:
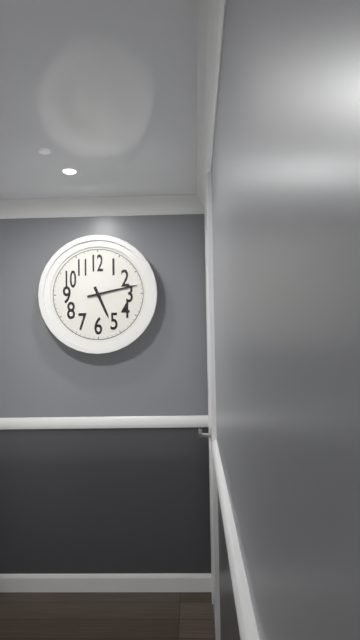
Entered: **5:13**
